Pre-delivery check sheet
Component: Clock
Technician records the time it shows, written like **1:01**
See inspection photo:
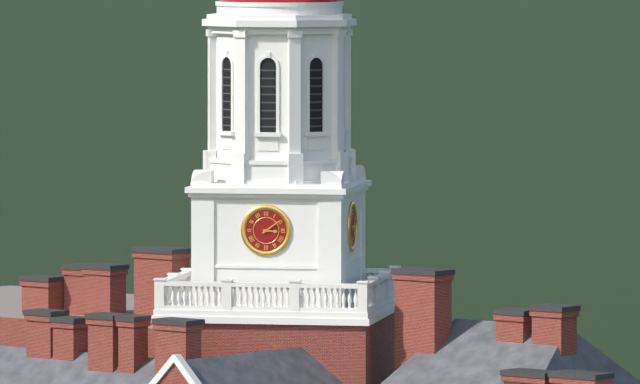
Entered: **3:09**
